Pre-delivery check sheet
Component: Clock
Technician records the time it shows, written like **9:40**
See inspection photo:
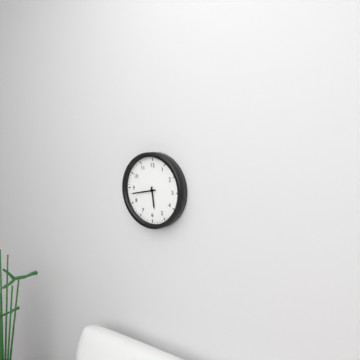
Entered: **5:43**
